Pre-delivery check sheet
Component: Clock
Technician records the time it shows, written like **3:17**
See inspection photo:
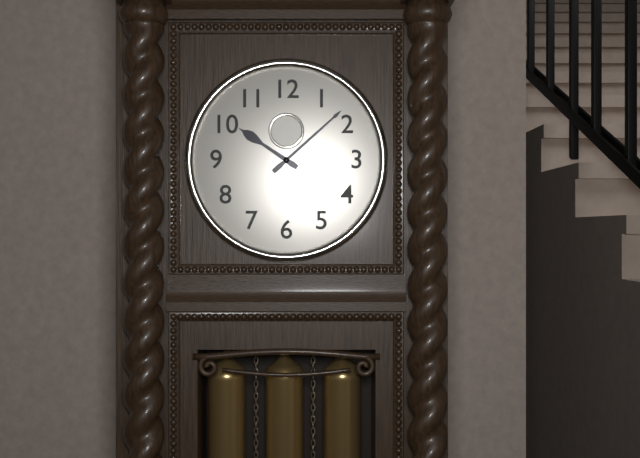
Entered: **10:08**
